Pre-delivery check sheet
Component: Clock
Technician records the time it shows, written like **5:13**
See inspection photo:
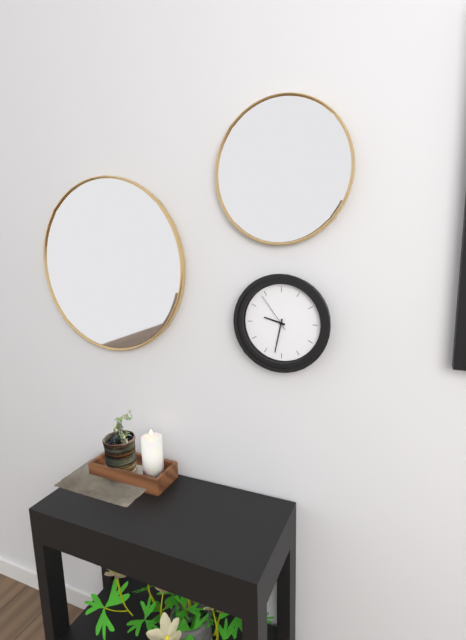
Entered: **9:32**
